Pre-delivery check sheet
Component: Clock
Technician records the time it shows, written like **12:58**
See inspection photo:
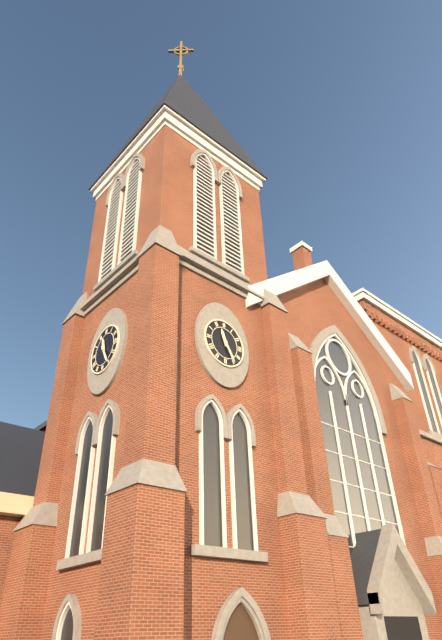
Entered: **11:25**
